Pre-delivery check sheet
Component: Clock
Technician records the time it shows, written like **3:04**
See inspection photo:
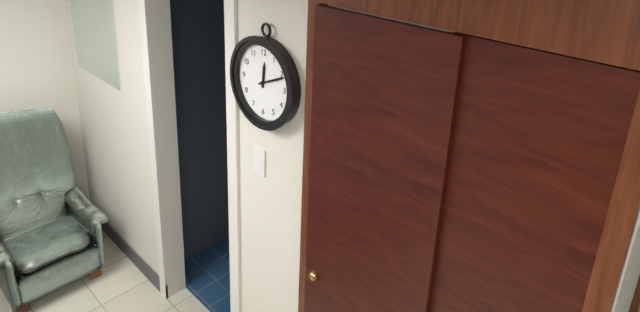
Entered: **12:11**
